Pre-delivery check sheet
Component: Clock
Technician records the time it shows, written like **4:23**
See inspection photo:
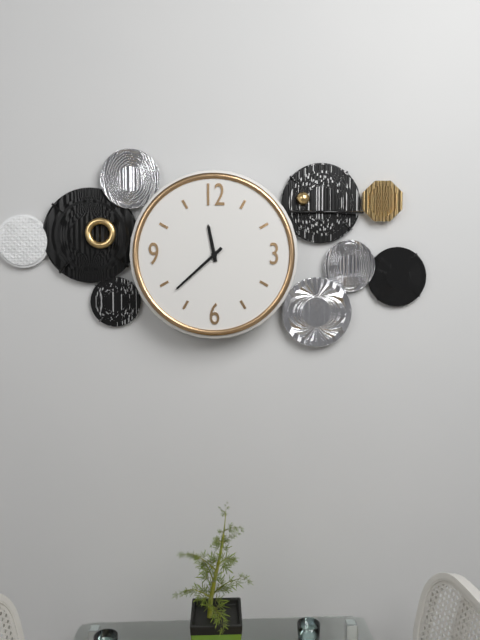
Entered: **11:38**
